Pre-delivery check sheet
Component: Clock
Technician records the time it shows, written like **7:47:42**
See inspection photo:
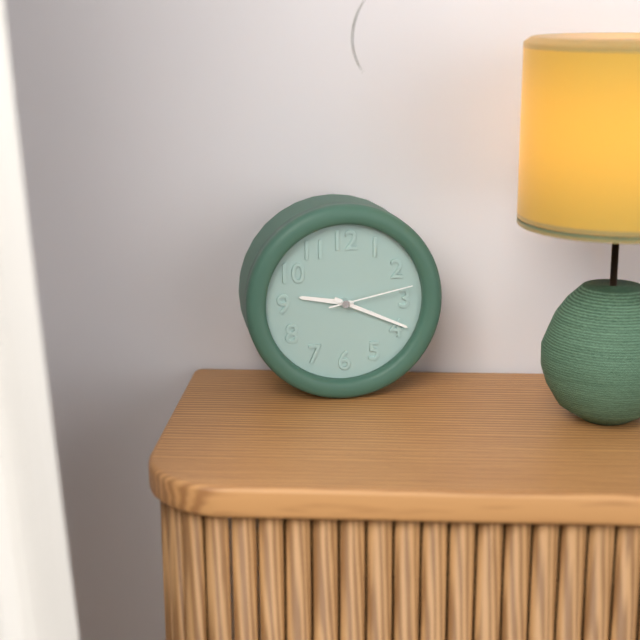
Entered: **9:19:13**
